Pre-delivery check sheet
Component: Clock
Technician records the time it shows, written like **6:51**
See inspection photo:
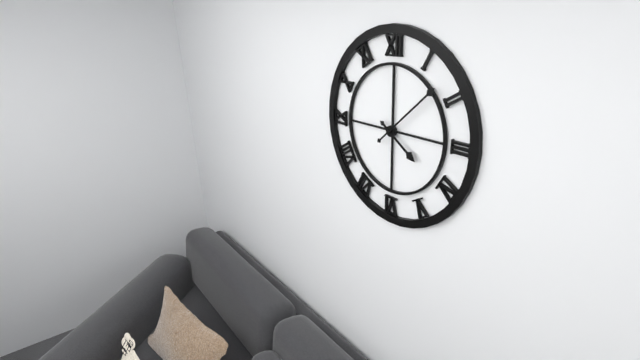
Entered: **4:08**
